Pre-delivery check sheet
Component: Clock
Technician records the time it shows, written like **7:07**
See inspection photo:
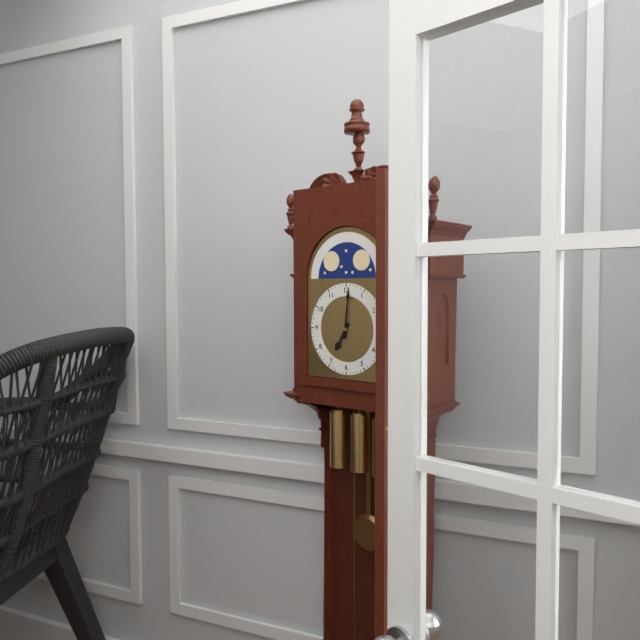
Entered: **7:01**
